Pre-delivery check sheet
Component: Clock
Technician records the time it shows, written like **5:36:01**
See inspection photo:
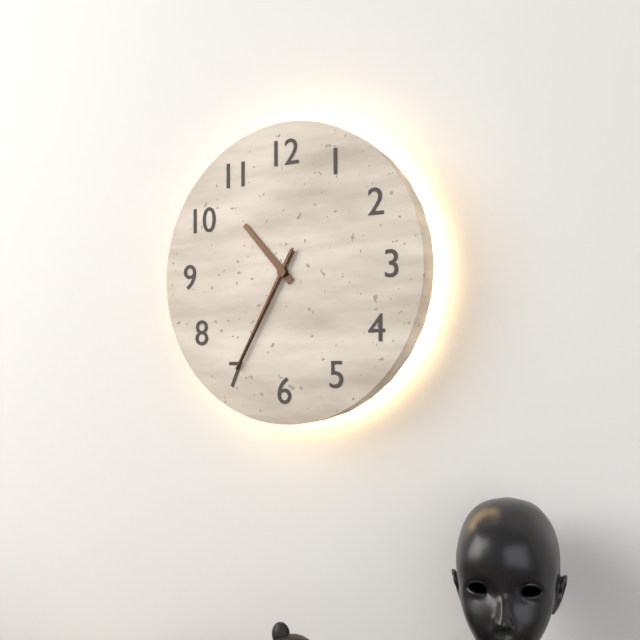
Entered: **10:35:35**
